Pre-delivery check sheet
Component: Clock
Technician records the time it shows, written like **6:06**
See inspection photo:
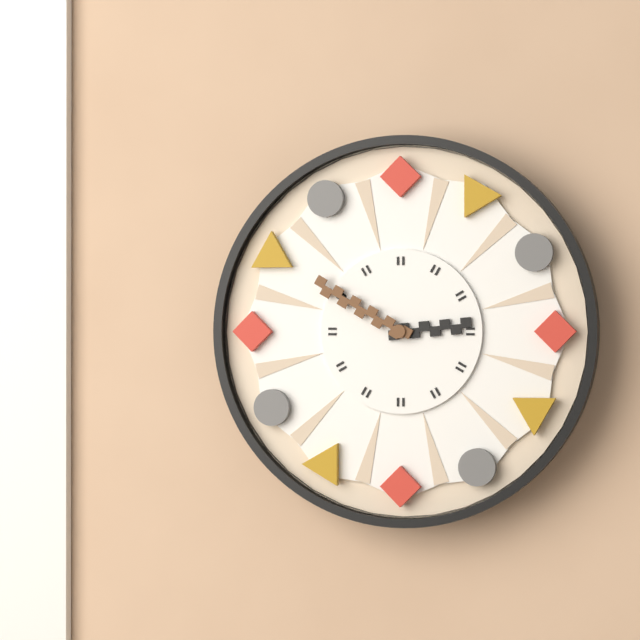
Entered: **2:50**
